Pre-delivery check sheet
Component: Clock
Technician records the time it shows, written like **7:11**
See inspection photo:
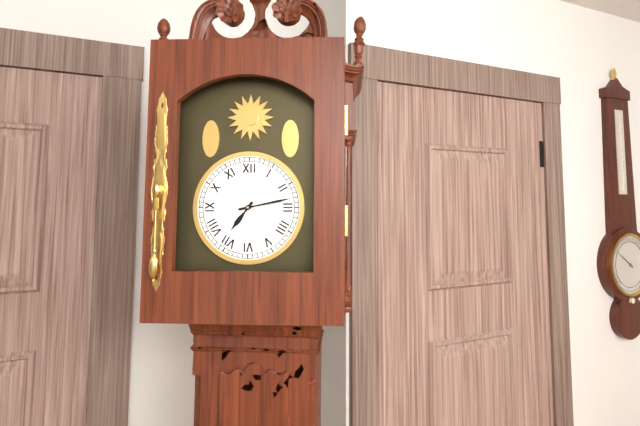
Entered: **7:13**
